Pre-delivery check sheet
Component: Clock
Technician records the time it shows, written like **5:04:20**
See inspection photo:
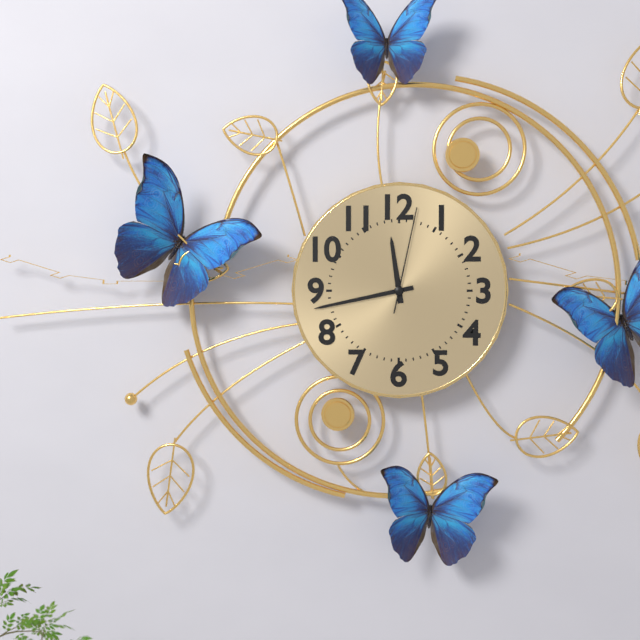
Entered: **11:43:02**
